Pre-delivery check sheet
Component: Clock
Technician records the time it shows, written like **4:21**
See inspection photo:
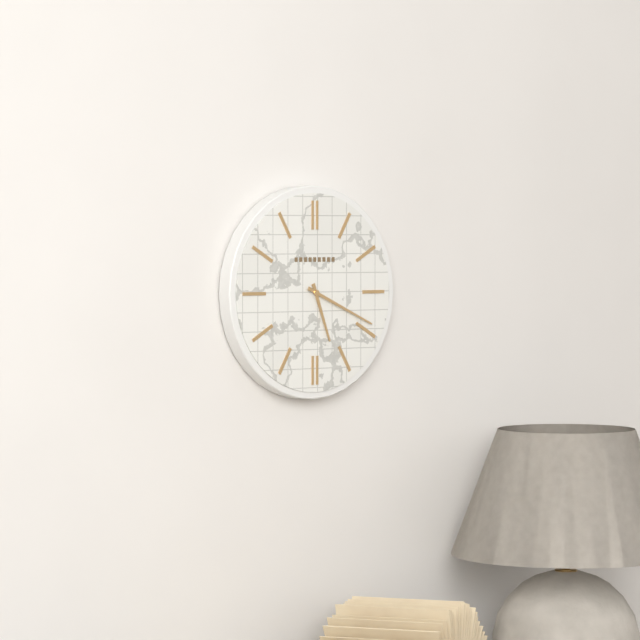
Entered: **5:19**
